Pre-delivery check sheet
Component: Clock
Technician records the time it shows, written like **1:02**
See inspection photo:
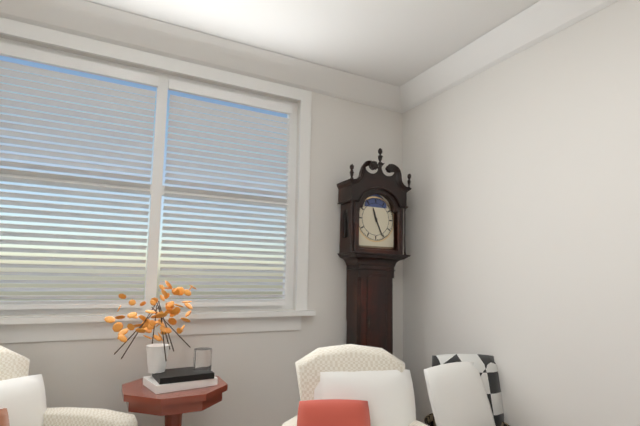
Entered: **11:26**
